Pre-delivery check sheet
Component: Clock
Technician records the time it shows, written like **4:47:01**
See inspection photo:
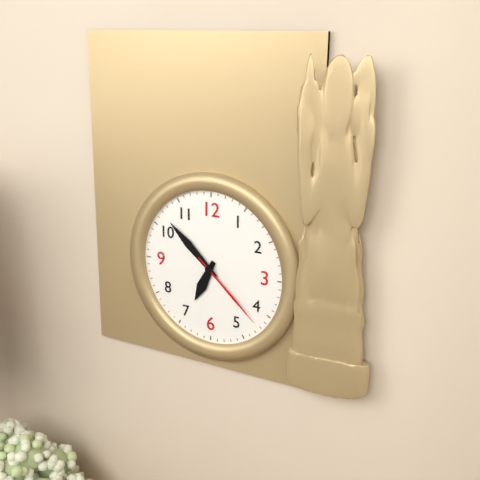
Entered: **6:52:22**
